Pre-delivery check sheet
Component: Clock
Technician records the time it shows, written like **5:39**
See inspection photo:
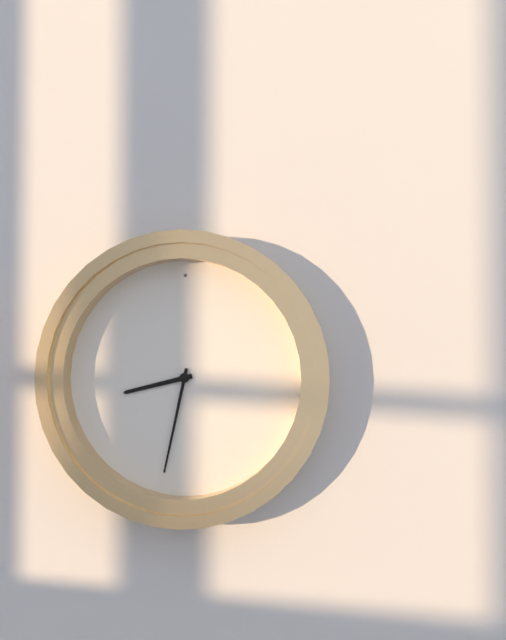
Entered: **8:32**
